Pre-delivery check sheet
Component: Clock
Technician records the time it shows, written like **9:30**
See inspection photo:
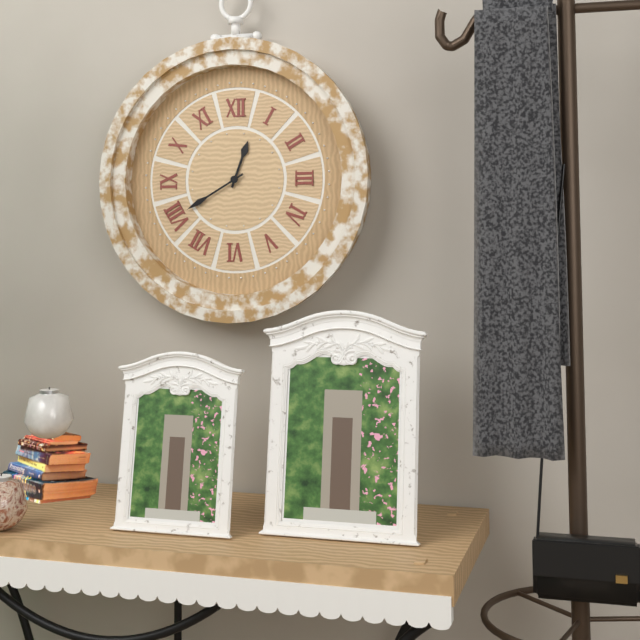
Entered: **12:40**
